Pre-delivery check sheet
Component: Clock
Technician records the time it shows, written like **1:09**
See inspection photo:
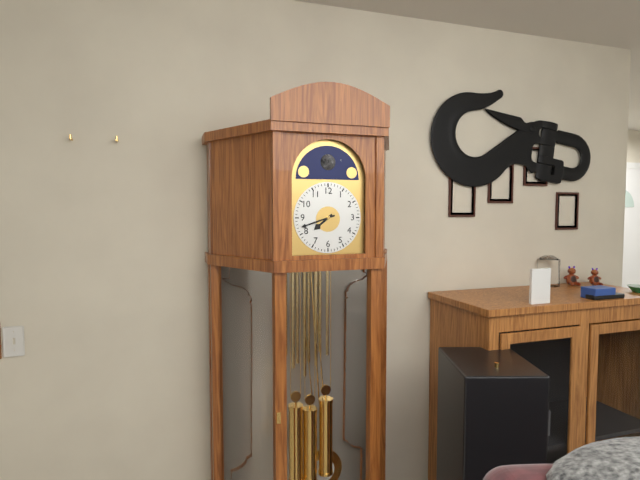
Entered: **7:42**
